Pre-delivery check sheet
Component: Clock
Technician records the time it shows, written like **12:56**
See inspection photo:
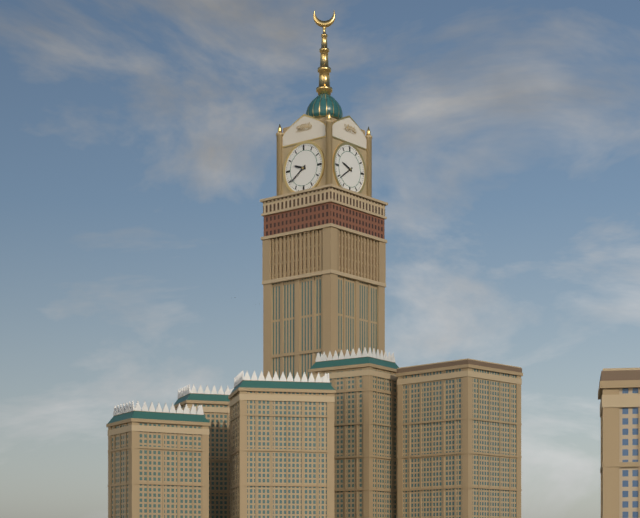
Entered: **9:39**
